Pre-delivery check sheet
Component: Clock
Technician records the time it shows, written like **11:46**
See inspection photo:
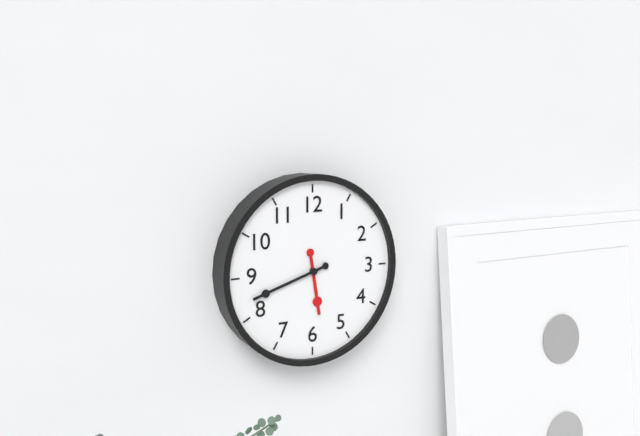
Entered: **5:42**
